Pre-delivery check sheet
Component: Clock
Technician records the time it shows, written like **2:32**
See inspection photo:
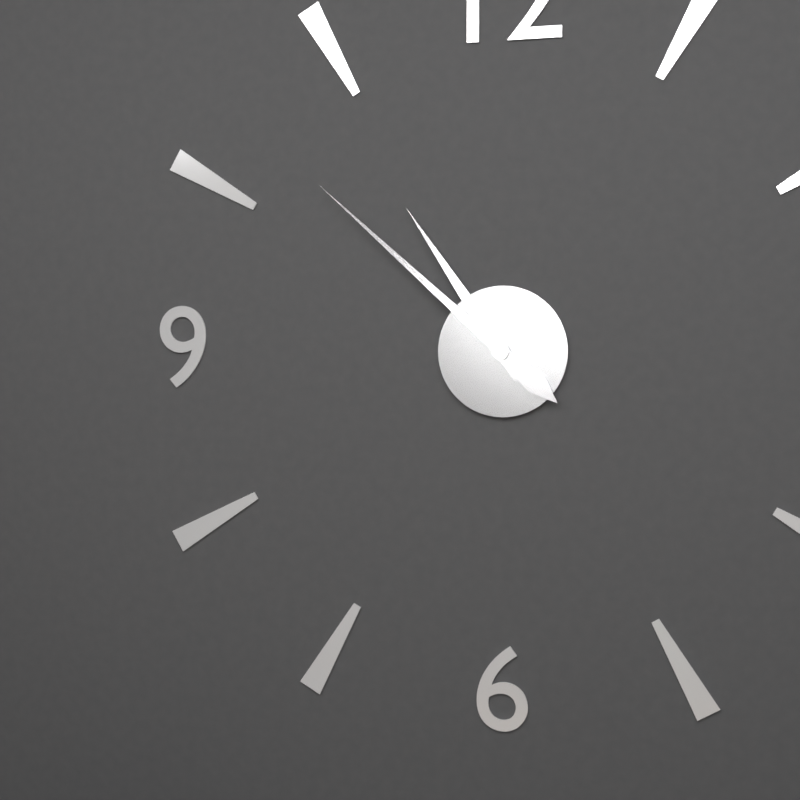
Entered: **10:52**
